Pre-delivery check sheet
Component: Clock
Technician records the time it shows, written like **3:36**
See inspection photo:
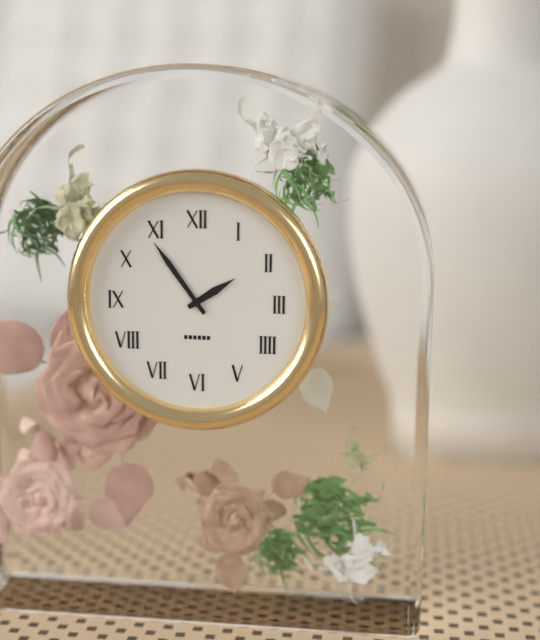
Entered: **1:54**
